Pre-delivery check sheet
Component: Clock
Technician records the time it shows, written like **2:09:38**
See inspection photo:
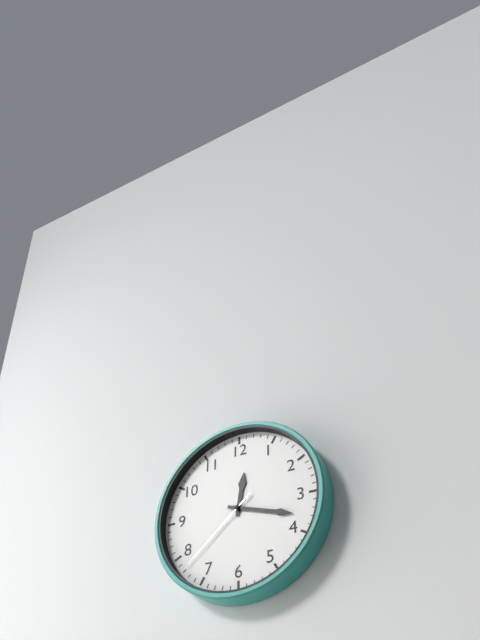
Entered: **12:18:38**
